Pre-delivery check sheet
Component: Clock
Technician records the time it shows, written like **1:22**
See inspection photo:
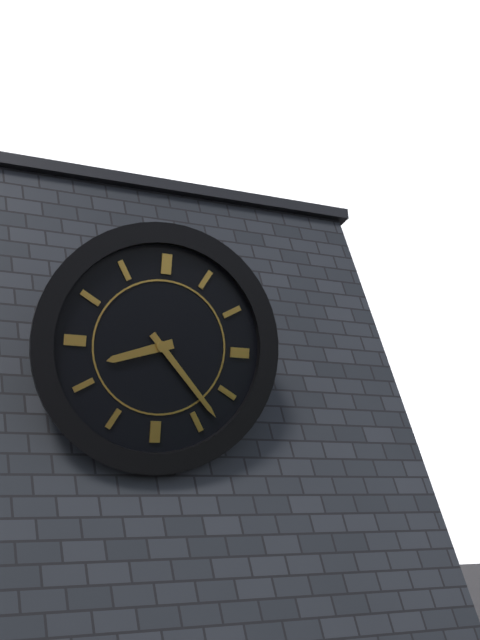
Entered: **8:23**
